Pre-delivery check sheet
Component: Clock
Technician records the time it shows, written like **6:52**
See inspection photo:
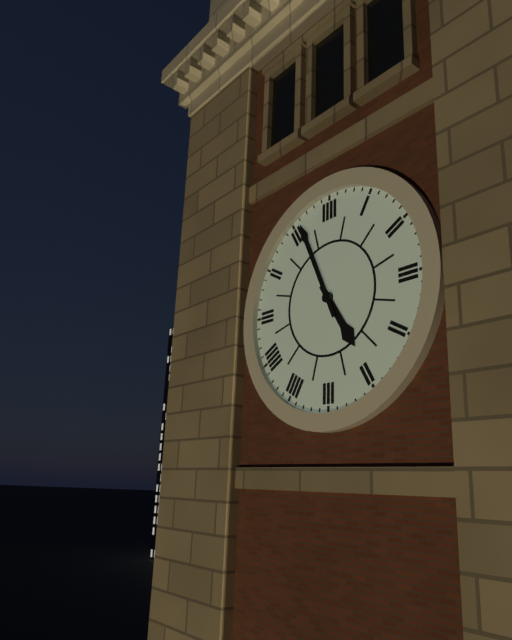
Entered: **4:56**
